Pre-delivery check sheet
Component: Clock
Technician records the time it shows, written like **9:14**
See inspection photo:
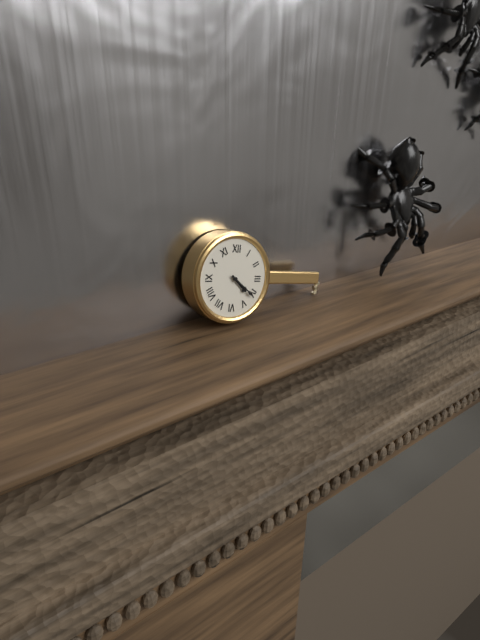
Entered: **4:21**
